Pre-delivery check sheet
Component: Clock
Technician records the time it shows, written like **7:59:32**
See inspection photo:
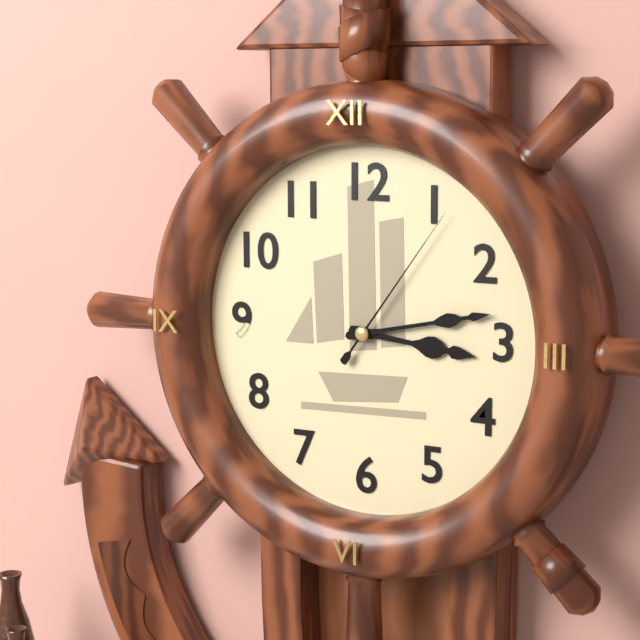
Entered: **3:13:06**
